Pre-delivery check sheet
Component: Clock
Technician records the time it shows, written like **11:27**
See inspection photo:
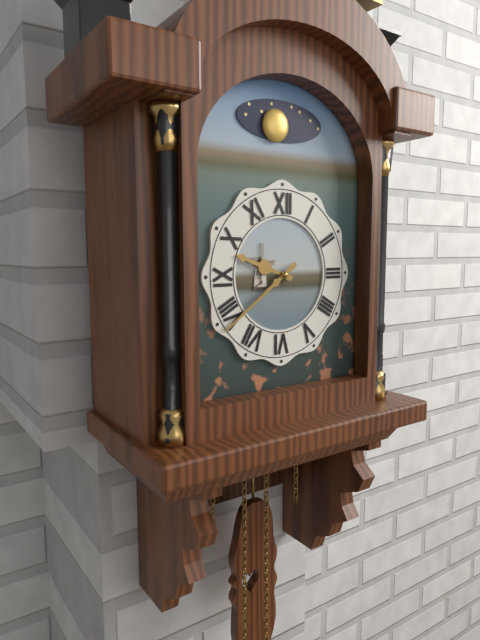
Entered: **9:39**
